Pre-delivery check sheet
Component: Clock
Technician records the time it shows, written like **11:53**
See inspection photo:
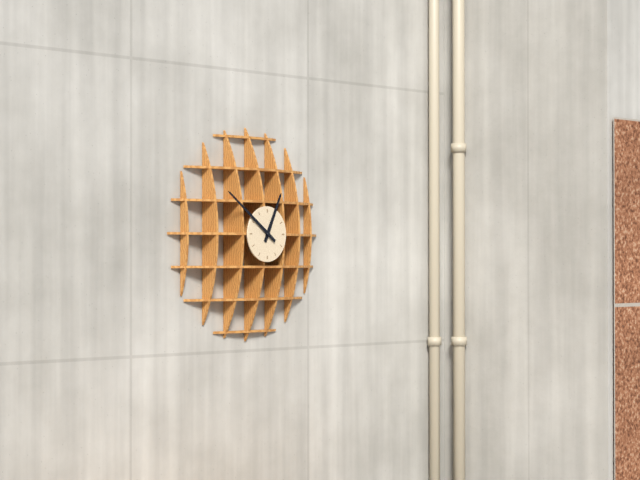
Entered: **12:51**
